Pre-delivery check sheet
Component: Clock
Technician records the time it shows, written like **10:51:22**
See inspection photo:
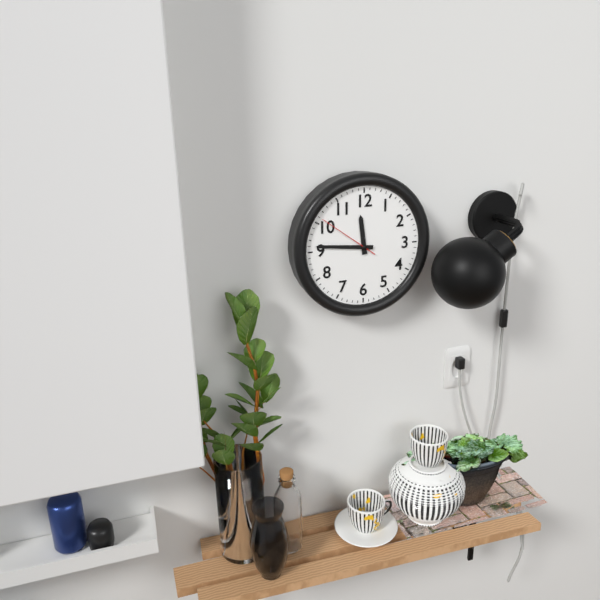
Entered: **11:46:51**
